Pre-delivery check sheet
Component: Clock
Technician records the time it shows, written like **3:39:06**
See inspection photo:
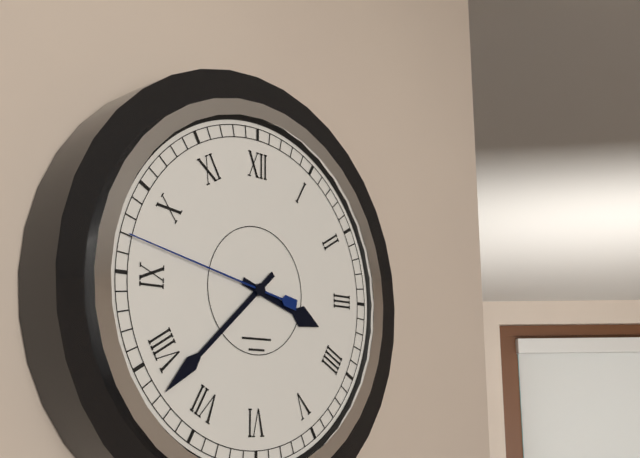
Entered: **3:38:47**
